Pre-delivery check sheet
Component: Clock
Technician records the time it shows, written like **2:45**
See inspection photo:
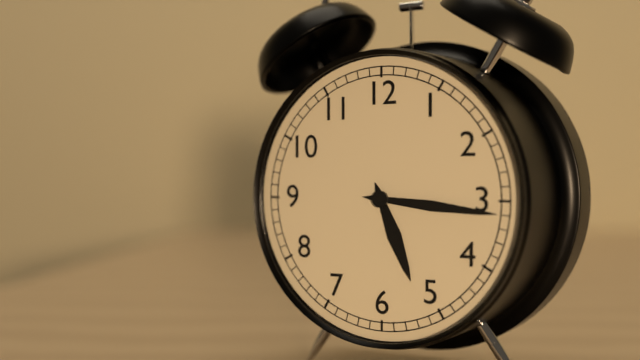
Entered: **5:16**
